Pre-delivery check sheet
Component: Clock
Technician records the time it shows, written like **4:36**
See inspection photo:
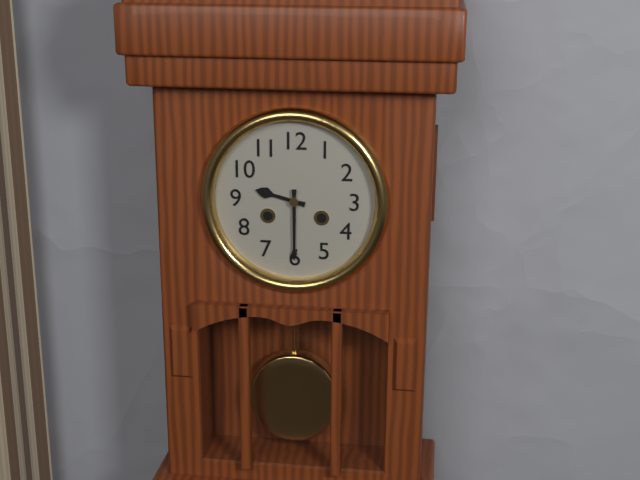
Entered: **9:30**
